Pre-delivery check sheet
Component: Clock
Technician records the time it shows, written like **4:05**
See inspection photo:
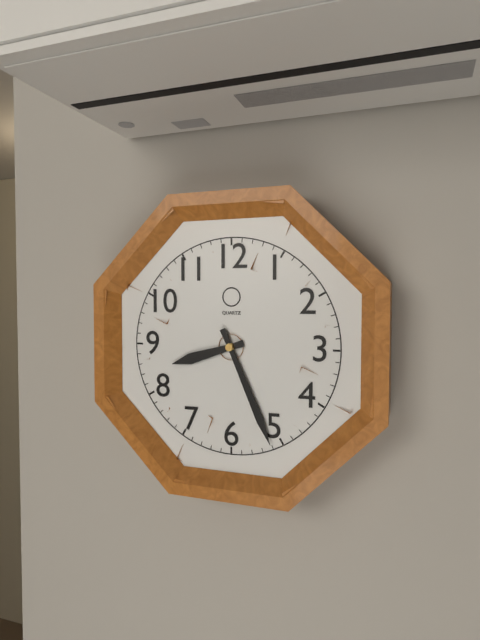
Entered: **8:26**
